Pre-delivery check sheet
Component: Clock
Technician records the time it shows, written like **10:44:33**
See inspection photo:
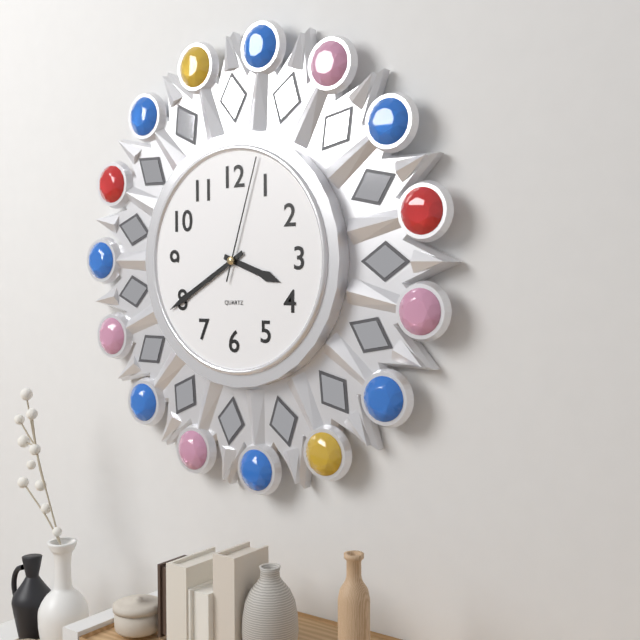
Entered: **3:40:03**
